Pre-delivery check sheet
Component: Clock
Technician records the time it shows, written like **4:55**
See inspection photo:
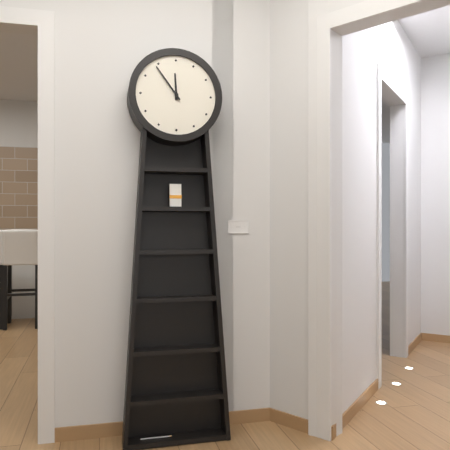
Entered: **11:54**
